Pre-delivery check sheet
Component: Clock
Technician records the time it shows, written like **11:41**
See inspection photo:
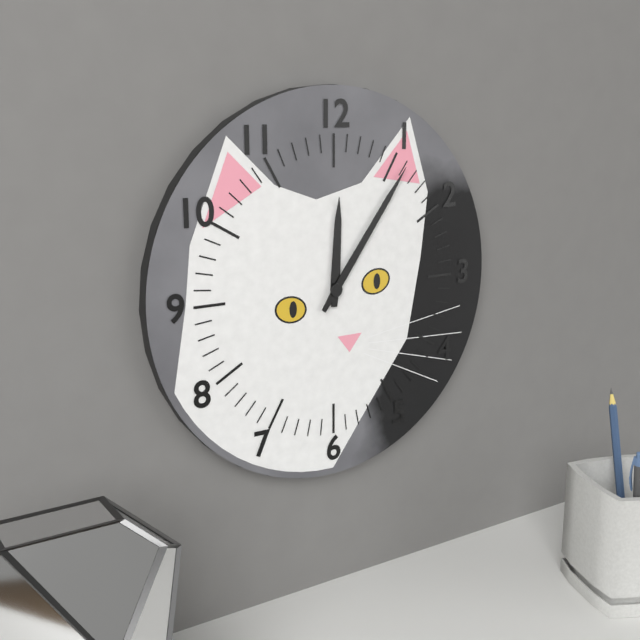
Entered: **12:06**
